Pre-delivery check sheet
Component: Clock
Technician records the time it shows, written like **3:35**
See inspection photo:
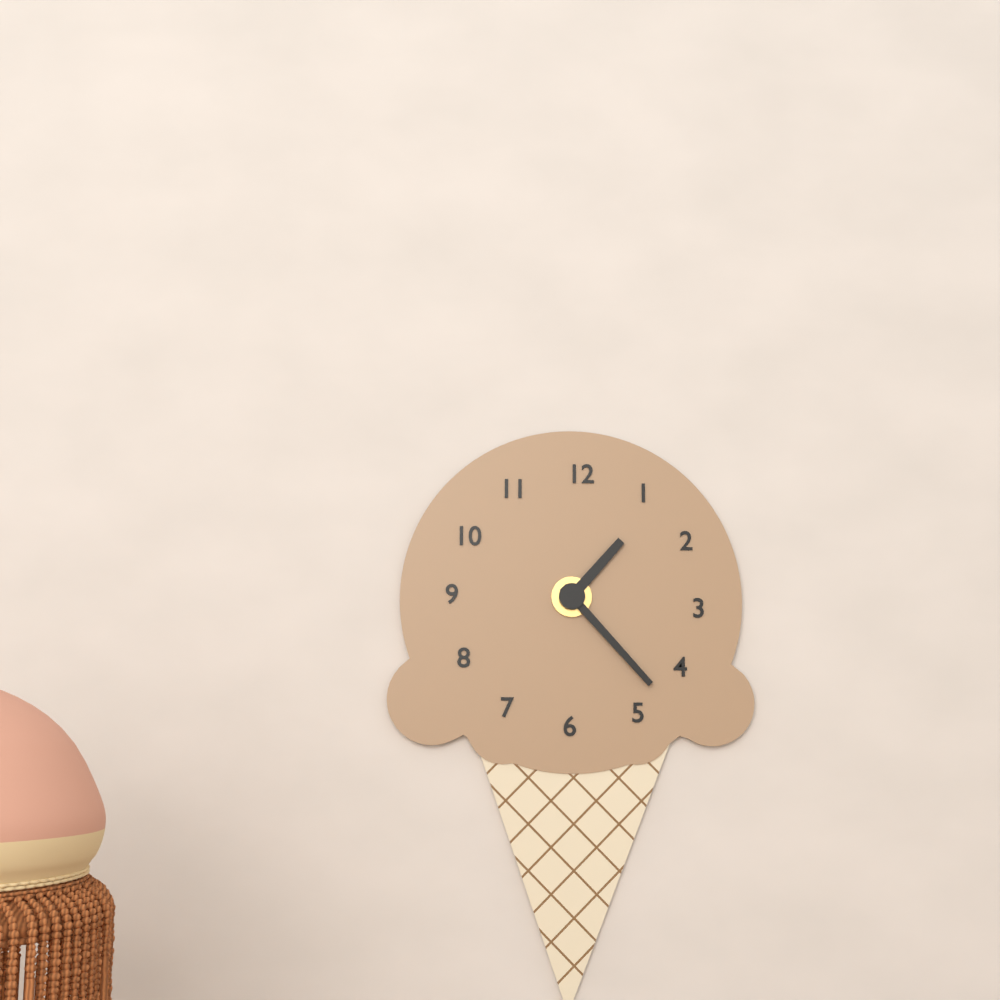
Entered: **1:23**
